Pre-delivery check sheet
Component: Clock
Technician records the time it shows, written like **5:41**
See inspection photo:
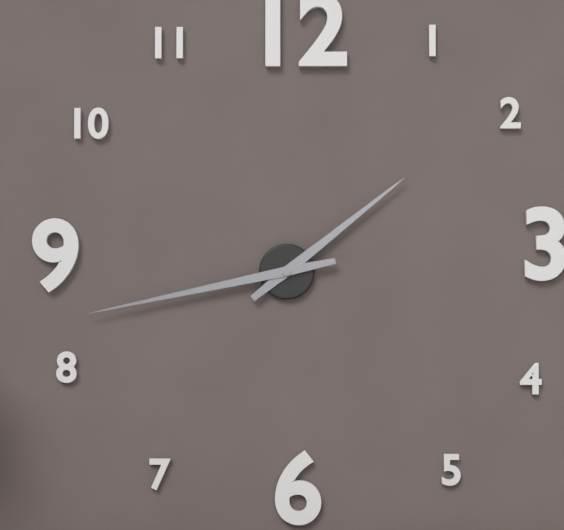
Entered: **1:43**
